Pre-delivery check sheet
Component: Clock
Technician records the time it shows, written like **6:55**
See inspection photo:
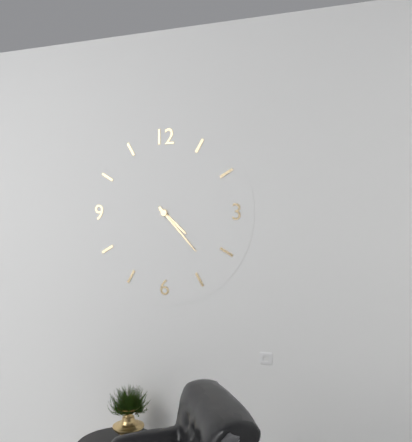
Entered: **4:23**
